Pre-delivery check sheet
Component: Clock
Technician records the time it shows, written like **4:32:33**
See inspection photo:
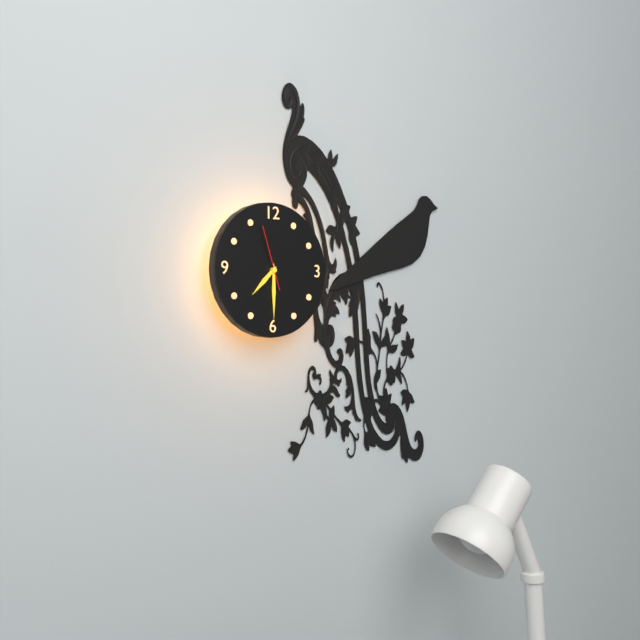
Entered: **7:30:57**
